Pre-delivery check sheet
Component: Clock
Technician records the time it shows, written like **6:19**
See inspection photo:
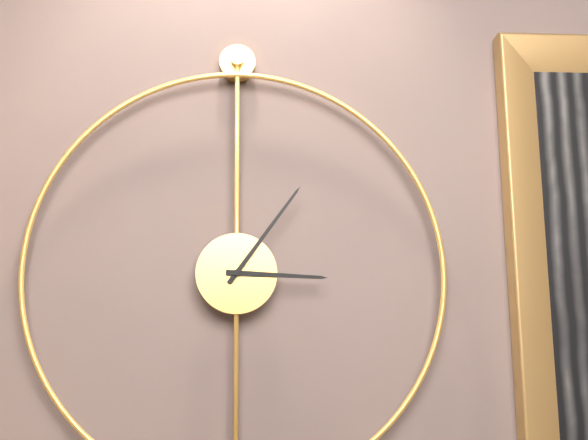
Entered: **3:06**
